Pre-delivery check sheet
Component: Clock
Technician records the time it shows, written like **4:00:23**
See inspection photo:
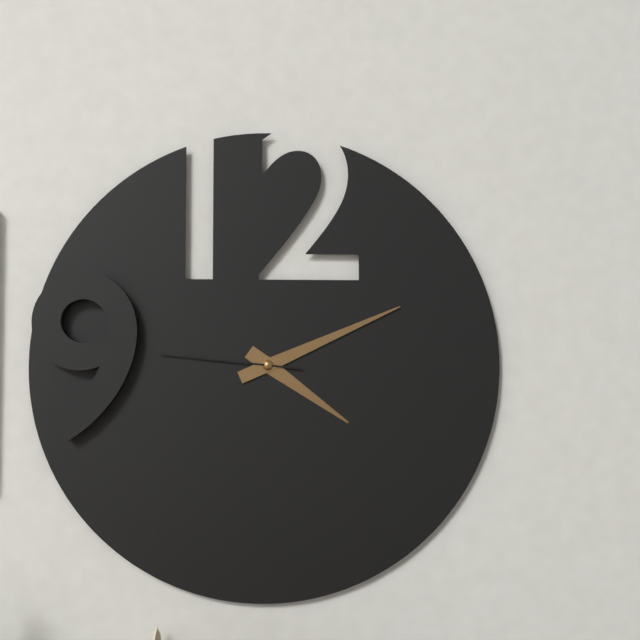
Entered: **4:11:46**
